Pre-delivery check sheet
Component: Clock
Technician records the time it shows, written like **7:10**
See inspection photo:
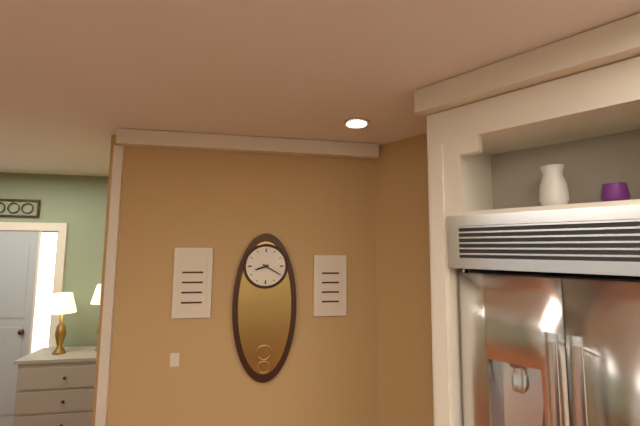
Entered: **8:20**
